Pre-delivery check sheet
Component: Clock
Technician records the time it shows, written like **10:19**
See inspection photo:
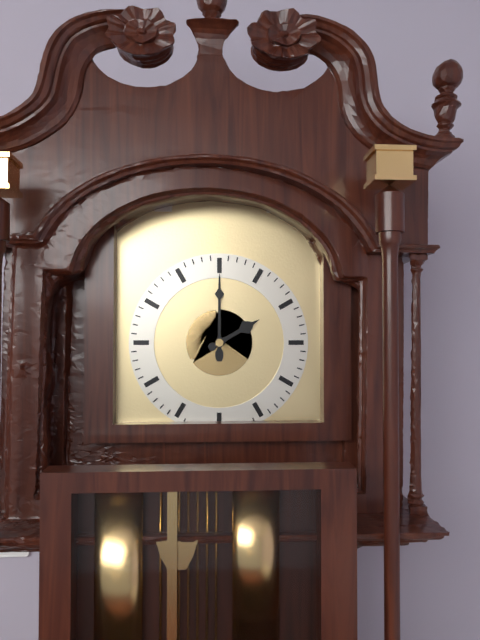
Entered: **2:00**
